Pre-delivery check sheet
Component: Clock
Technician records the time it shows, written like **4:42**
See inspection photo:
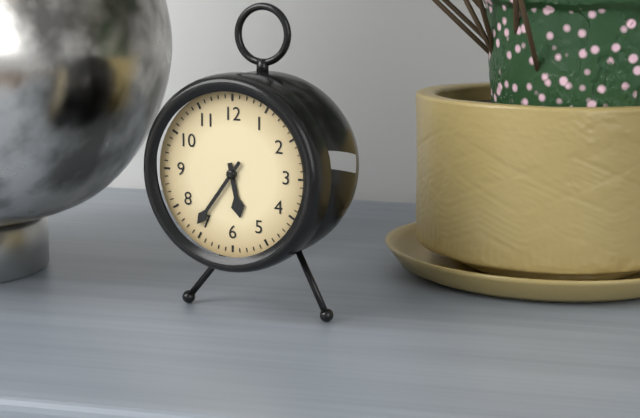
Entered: **5:36**
